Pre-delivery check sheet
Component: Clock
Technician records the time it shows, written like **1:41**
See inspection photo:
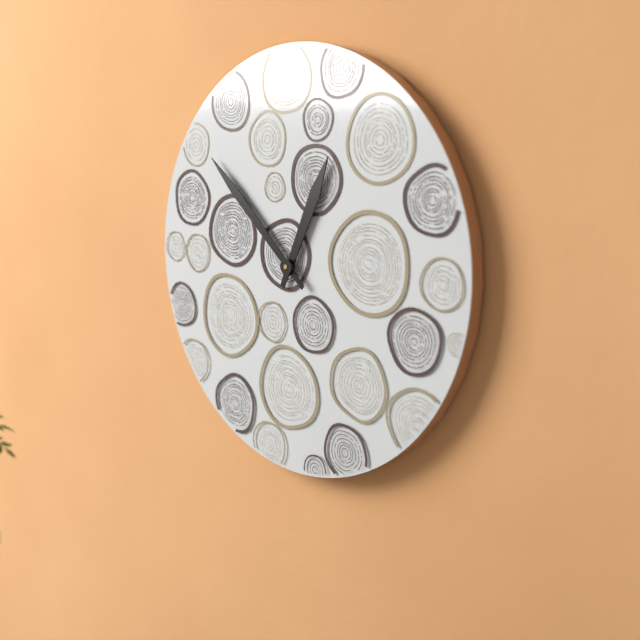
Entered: **12:52**
